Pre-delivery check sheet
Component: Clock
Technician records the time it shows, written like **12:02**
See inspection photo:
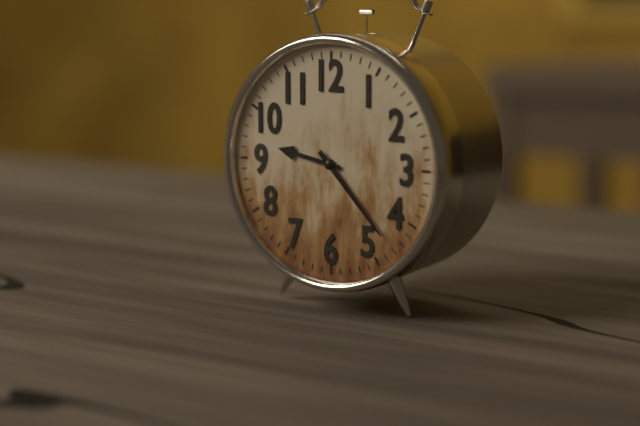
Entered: **9:23**
